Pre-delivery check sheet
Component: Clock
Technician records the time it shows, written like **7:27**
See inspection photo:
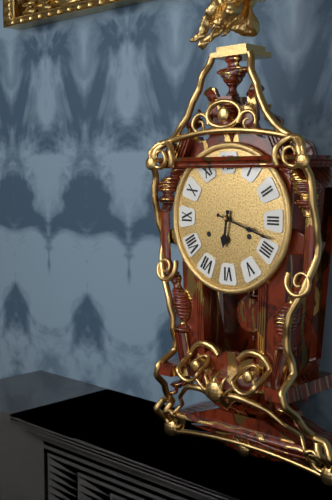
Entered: **6:18**
